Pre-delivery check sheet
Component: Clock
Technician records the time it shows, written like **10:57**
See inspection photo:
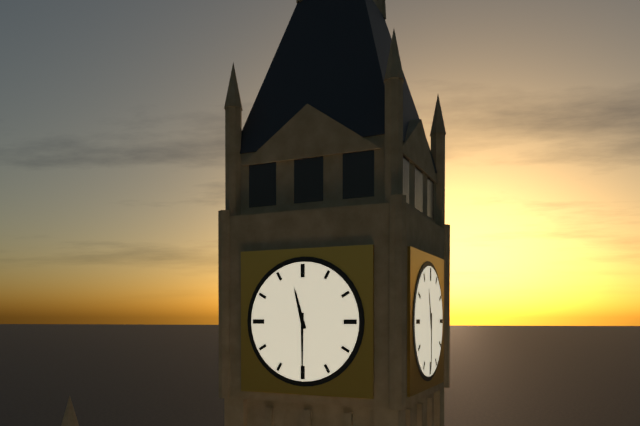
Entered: **11:30**
